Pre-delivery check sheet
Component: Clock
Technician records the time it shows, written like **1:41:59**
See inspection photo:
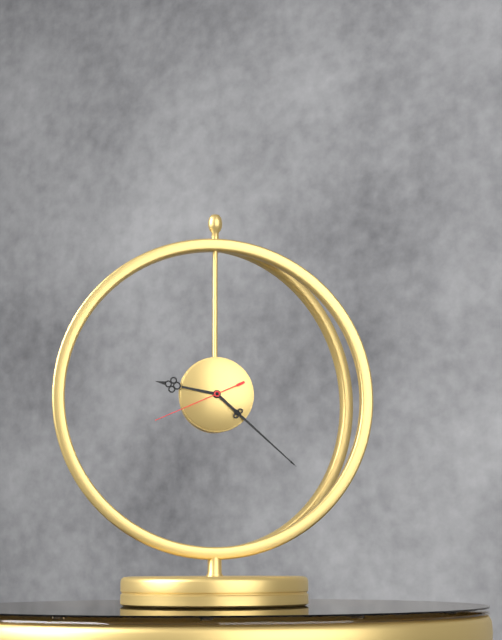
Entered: **9:22:41**
